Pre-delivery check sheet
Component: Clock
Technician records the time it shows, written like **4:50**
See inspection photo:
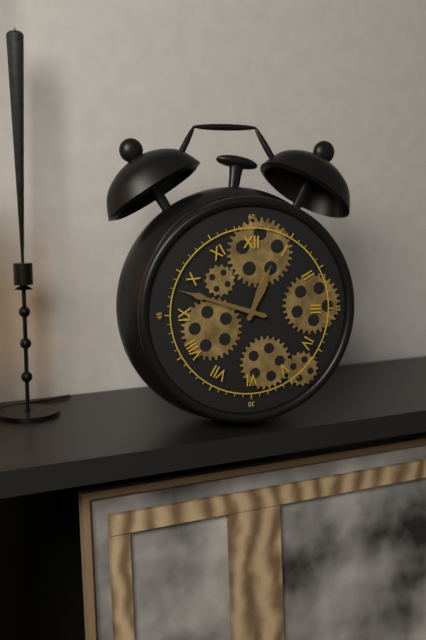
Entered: **12:48**
